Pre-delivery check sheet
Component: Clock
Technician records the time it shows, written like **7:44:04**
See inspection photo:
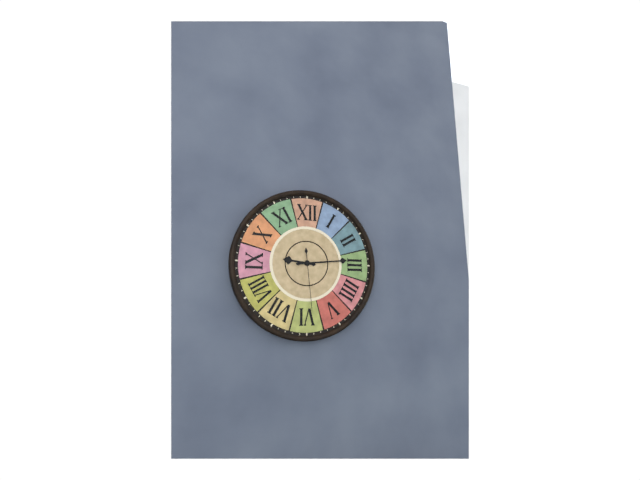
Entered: **9:14:29**
